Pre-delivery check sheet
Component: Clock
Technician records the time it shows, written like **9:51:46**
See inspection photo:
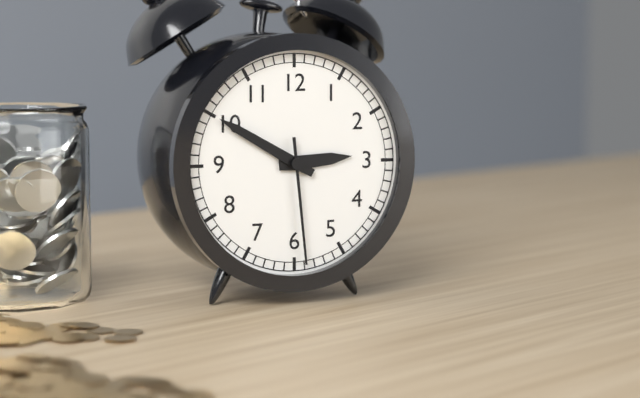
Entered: **2:50:29**
